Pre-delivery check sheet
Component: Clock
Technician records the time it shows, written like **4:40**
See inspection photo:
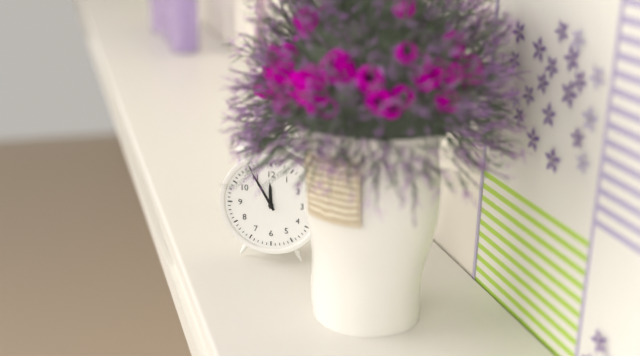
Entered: **11:55**
